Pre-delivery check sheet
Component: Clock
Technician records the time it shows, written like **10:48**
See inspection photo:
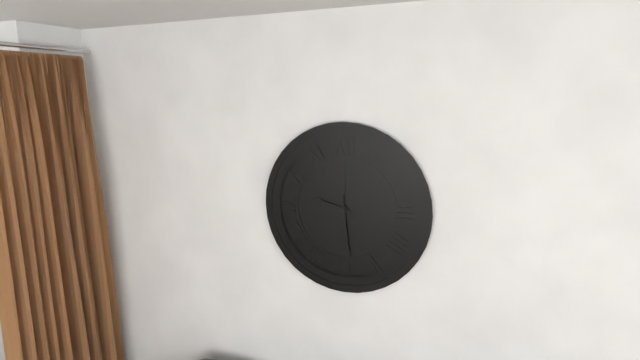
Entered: **9:29**
